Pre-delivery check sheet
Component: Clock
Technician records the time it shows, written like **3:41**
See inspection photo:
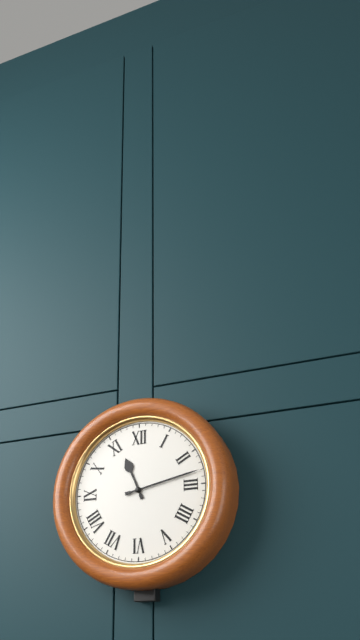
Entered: **11:13**
